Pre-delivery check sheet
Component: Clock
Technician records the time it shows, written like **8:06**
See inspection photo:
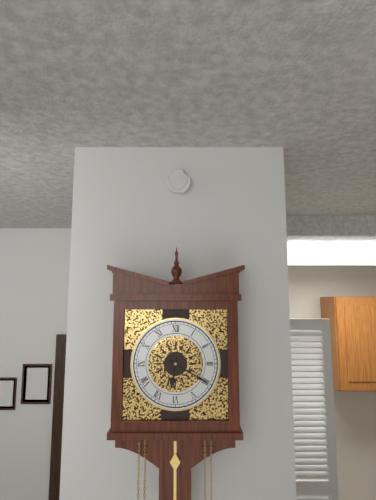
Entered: **6:20**
